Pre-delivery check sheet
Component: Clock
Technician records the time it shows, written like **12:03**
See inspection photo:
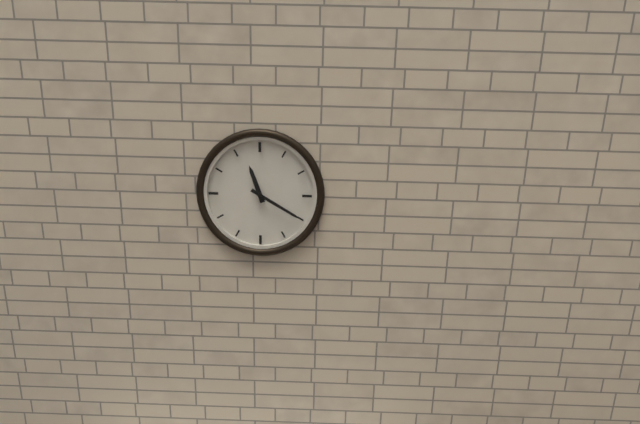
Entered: **11:20**
